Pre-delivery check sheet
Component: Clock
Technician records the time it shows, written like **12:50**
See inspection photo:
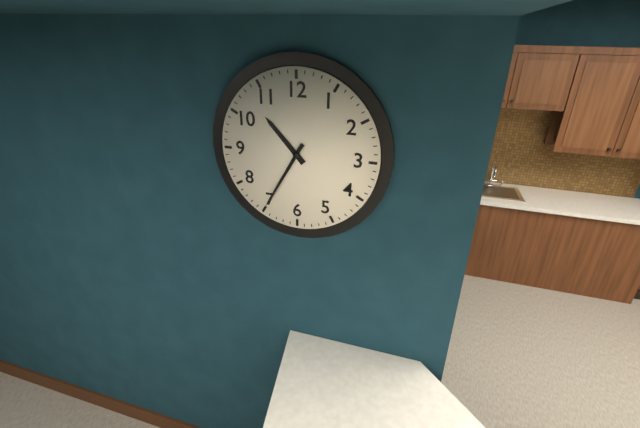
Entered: **10:35**
